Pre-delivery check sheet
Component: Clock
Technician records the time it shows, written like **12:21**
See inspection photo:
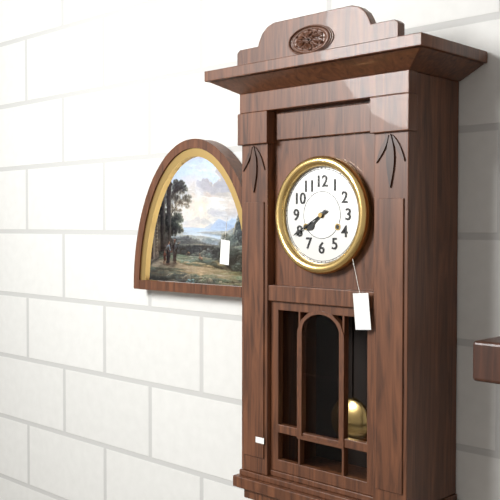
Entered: **7:40**
